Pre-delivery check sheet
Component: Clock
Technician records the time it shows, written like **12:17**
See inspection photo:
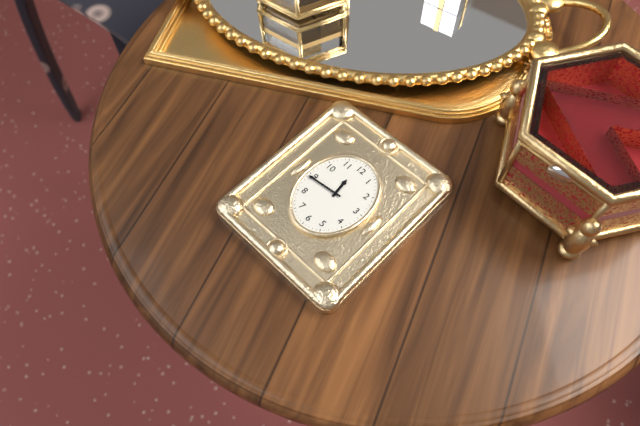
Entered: **11:44**
